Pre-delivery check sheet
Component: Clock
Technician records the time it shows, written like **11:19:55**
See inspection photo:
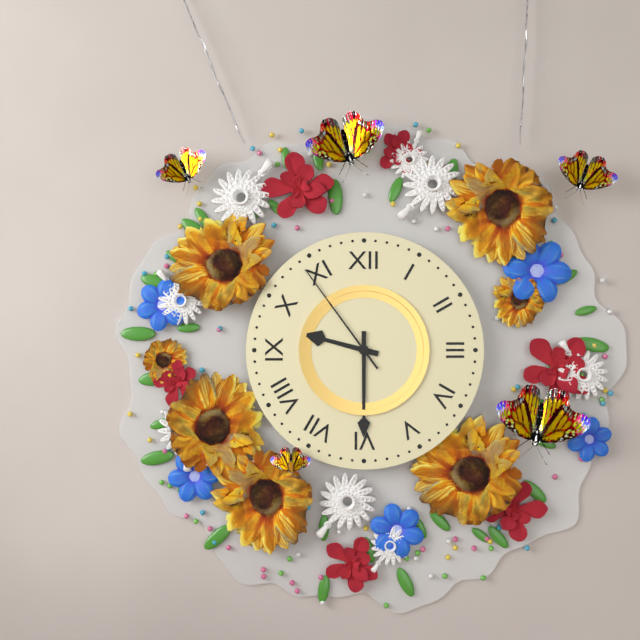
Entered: **9:30:54**
